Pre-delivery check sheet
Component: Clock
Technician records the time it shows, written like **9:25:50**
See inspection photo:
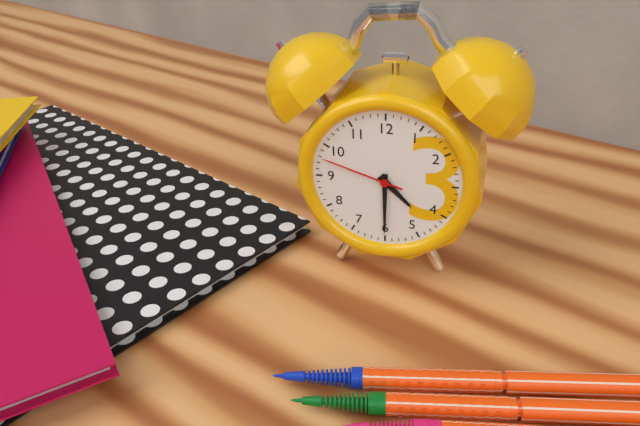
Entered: **4:30:48**
